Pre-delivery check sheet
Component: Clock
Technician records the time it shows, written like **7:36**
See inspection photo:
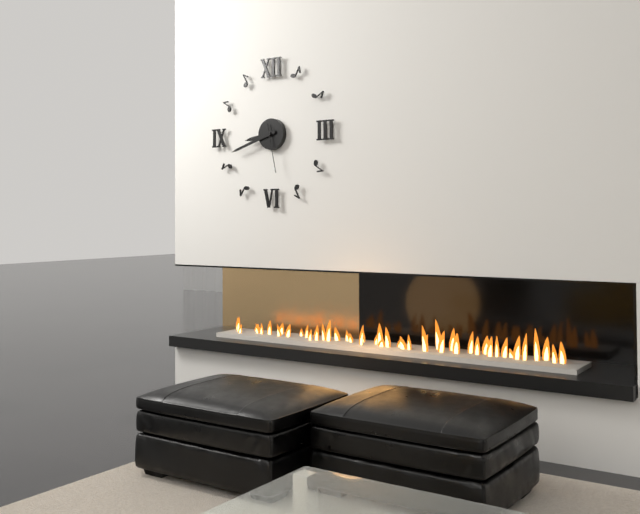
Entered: **8:42**
